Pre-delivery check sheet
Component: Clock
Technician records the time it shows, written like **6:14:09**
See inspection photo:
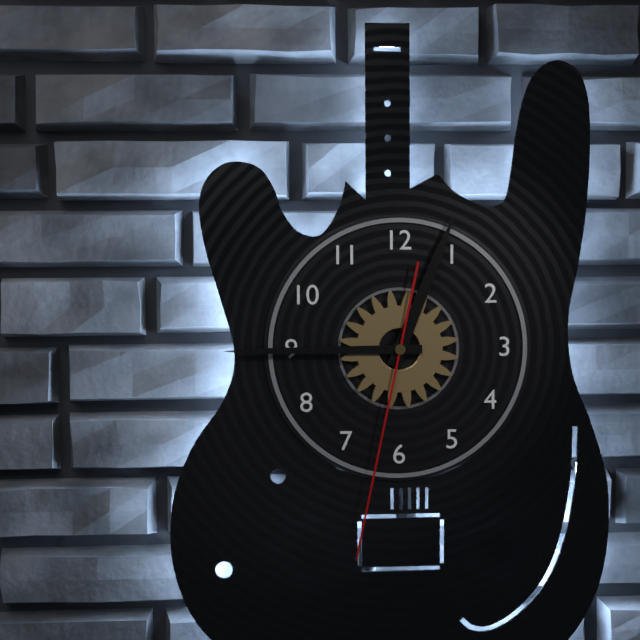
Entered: **12:45:32**
